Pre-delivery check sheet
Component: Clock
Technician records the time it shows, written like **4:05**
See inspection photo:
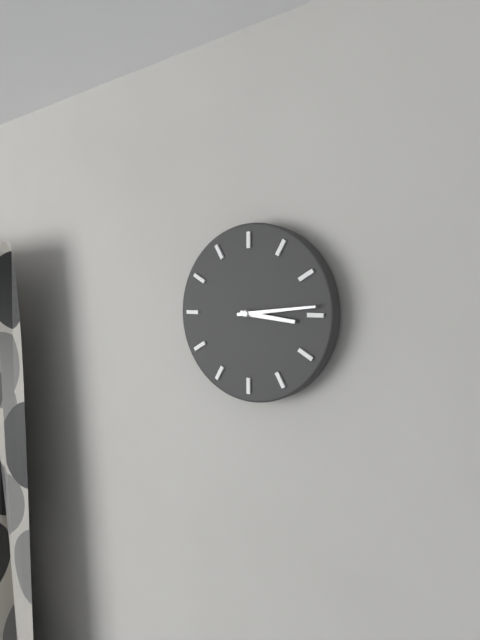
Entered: **3:14**
